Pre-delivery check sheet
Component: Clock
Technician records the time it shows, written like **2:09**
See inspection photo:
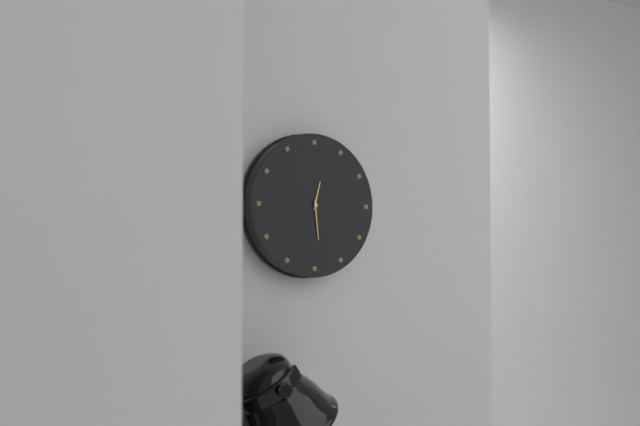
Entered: **12:29**
